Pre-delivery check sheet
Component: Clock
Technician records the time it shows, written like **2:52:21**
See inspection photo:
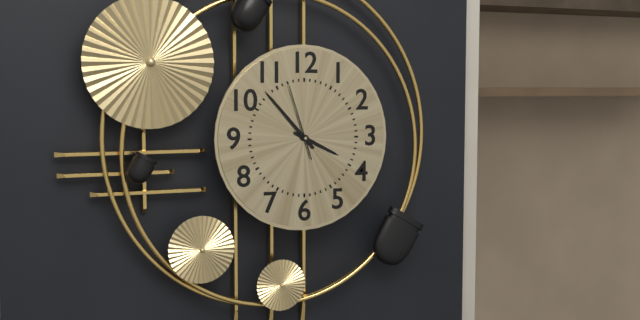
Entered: **3:53:57**
